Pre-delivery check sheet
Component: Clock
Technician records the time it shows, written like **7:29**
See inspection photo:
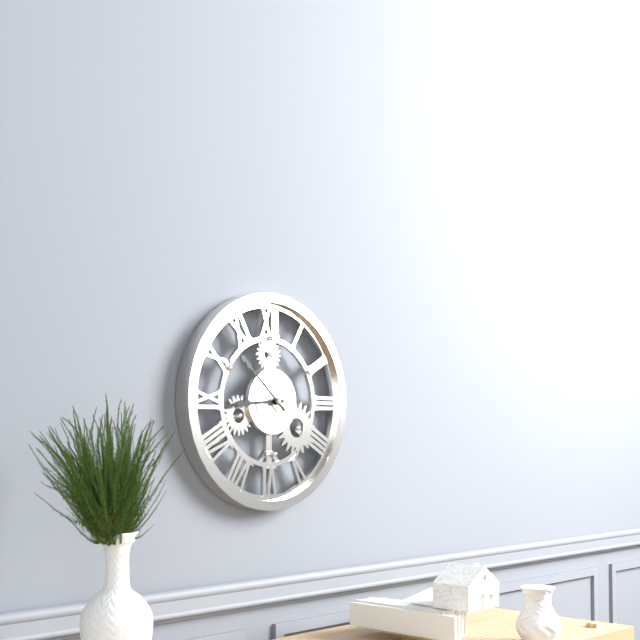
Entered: **8:52**
